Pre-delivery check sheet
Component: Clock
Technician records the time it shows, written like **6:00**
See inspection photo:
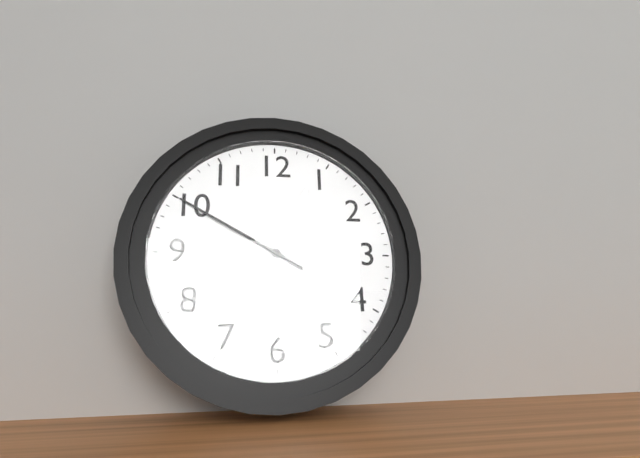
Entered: **12:50**
